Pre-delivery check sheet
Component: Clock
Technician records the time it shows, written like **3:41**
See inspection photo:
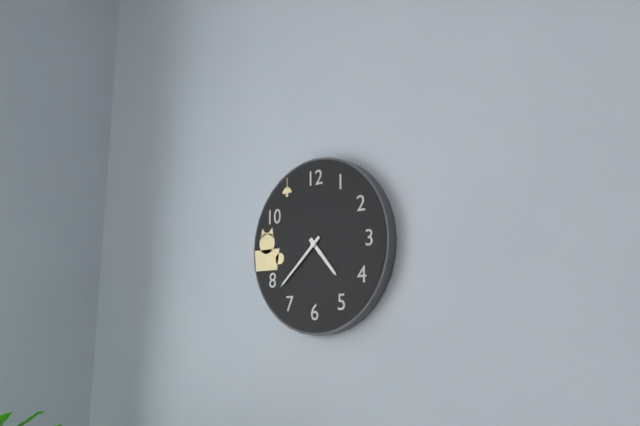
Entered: **4:38**
